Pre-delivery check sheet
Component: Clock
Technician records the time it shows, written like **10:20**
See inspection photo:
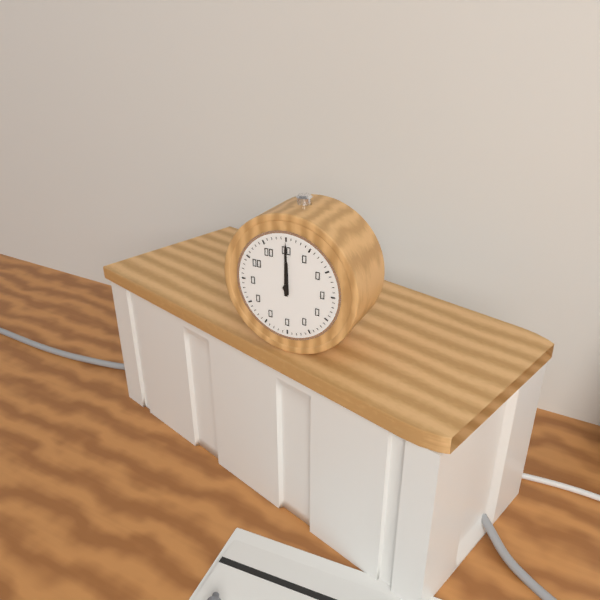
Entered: **12:00**
